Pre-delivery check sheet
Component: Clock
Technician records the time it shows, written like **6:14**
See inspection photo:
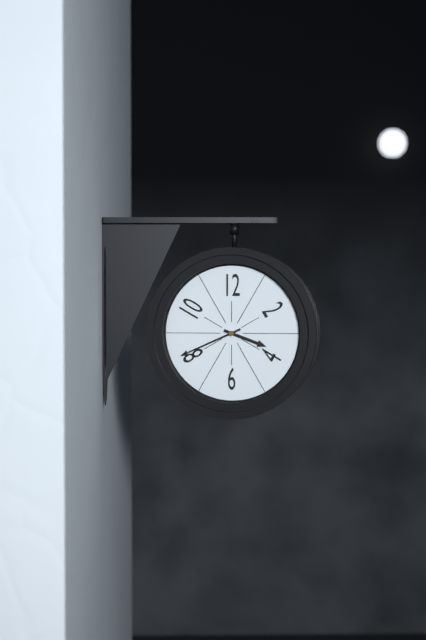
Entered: **3:41**
